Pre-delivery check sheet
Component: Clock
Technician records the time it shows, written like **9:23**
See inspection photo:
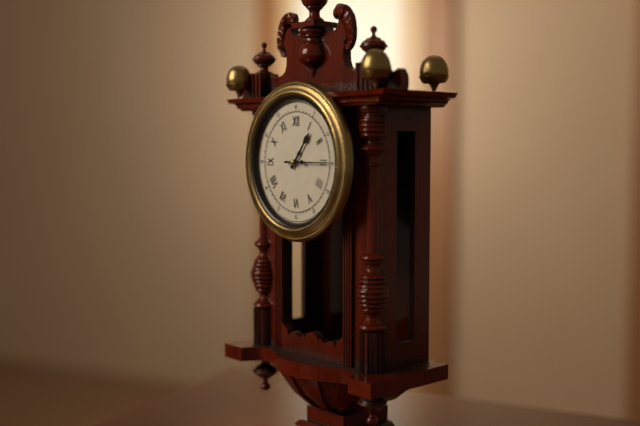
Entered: **1:15**
